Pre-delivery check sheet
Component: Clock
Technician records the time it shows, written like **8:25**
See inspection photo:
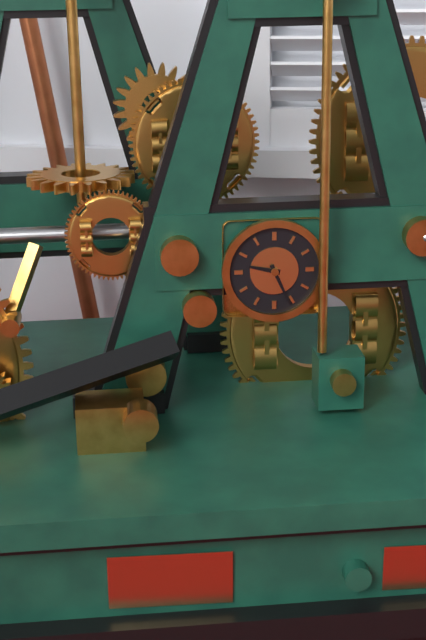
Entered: **9:26**
